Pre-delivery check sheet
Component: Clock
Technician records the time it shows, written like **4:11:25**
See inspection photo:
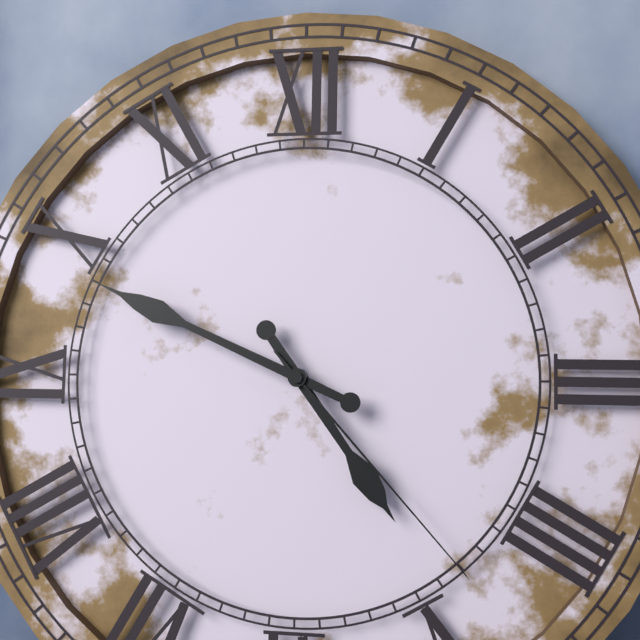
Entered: **4:49:23**
